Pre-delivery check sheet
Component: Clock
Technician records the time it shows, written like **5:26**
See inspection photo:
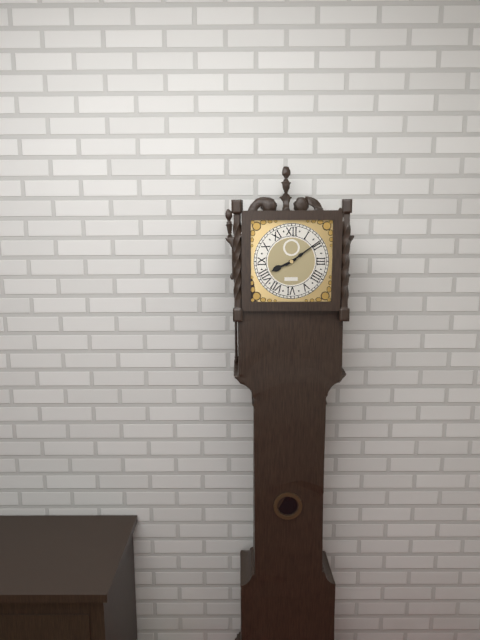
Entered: **8:09**
